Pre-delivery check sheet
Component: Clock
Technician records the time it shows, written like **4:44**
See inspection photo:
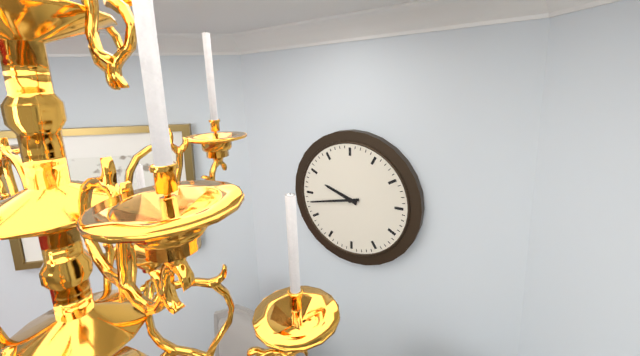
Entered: **9:43**
